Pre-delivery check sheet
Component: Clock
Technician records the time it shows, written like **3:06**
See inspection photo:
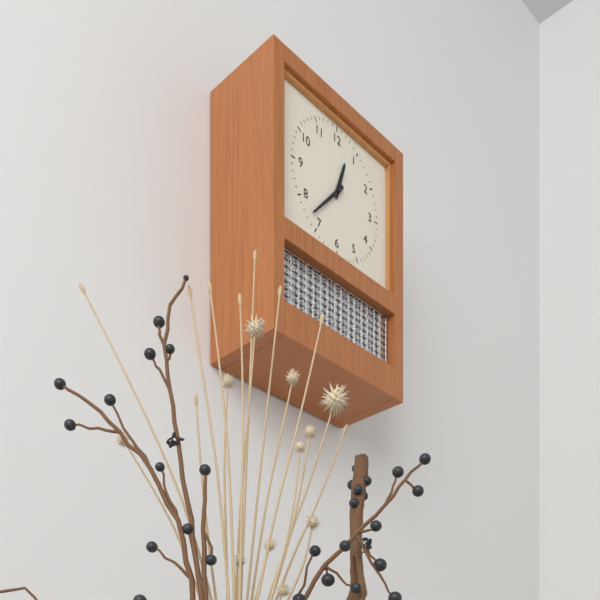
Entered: **12:37**
